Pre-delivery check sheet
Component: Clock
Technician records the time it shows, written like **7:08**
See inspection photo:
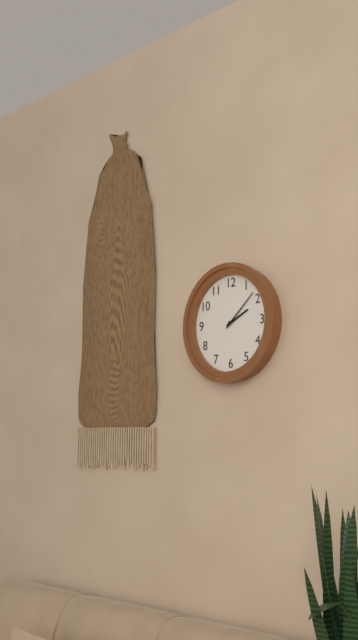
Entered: **2:08**
